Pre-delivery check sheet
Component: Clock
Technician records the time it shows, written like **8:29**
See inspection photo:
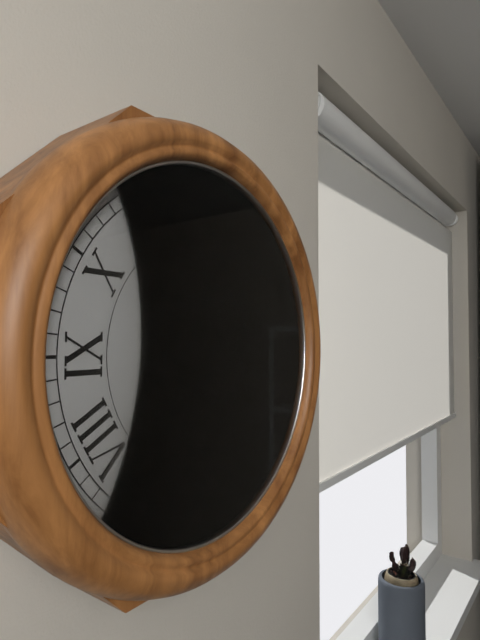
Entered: **5:25**
